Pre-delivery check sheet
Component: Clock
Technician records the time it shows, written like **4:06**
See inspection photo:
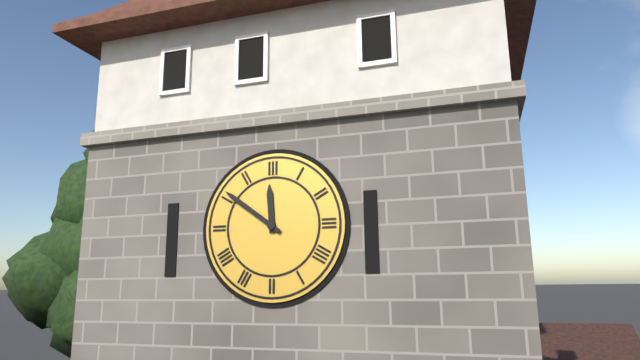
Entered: **11:51**
